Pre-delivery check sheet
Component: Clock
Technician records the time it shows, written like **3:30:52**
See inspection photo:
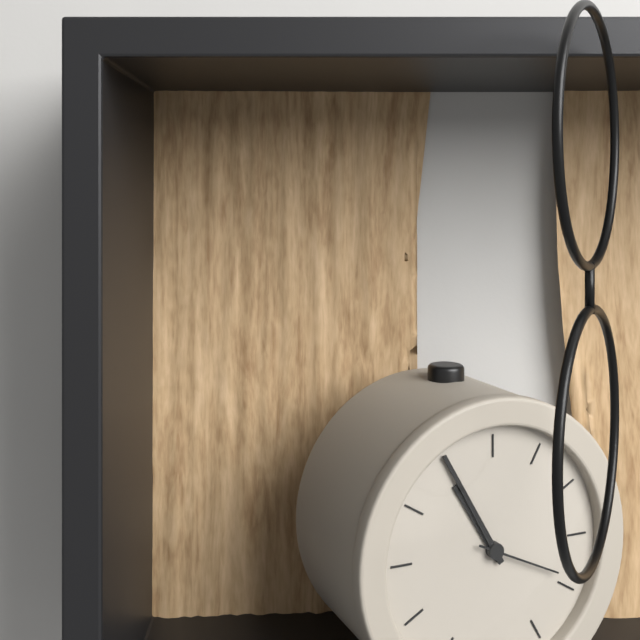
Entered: **10:55:19**
